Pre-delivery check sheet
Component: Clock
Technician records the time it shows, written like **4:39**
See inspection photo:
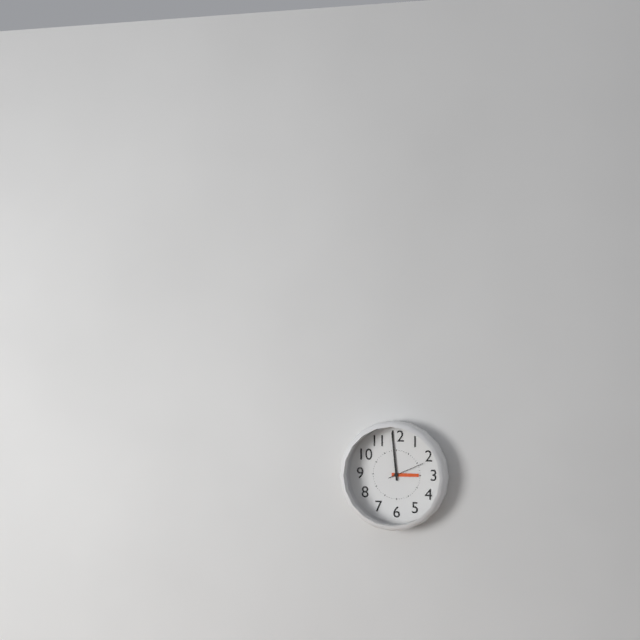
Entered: **2:59**
